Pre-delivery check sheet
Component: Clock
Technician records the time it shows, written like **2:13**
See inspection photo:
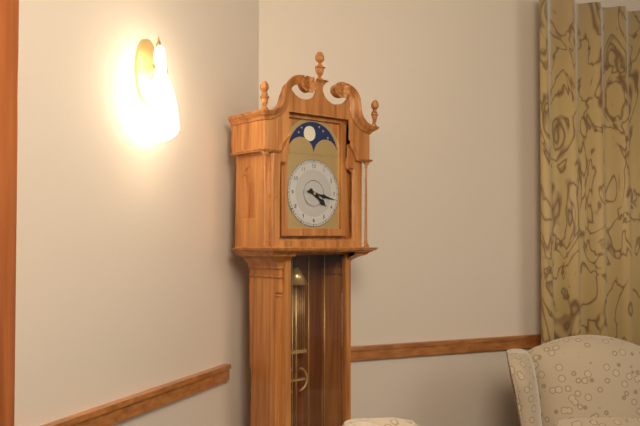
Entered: **4:17**
